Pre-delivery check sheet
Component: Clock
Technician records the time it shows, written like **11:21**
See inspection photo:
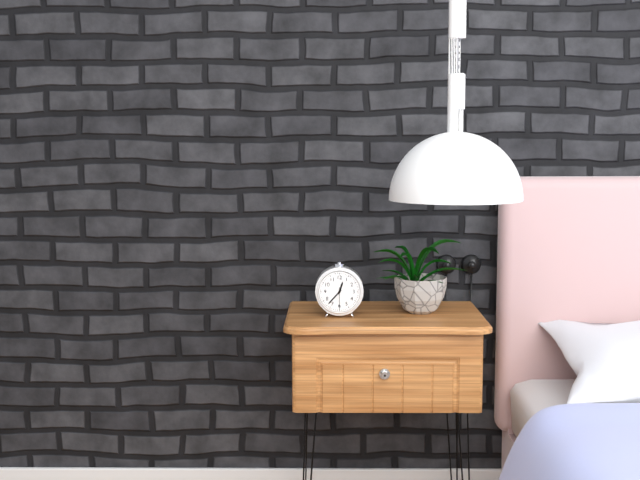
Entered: **12:37**
